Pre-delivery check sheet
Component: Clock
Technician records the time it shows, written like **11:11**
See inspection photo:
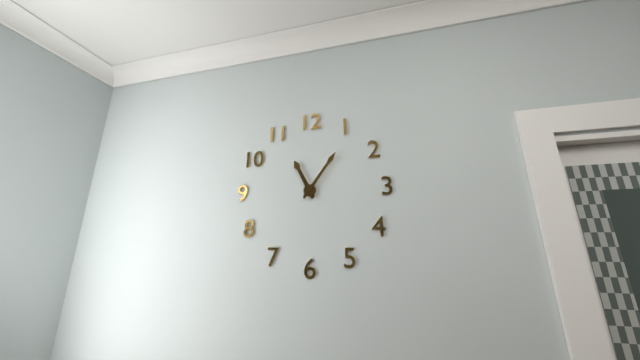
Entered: **11:06**
